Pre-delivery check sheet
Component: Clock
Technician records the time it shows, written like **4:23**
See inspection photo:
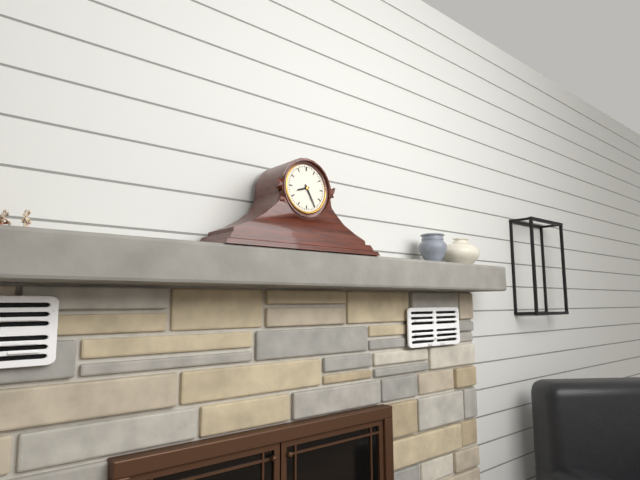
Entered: **8:25**
